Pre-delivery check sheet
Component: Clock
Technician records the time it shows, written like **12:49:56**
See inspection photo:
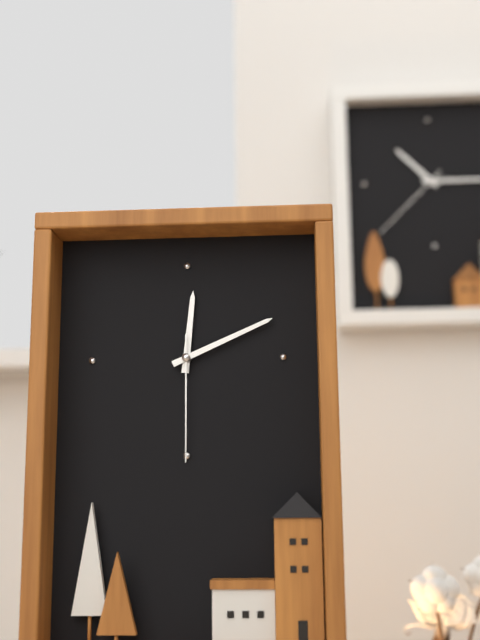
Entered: **12:11:30**
